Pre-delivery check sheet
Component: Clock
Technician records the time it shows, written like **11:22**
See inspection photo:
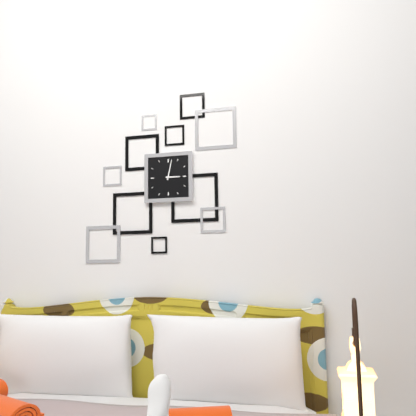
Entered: **3:02**
